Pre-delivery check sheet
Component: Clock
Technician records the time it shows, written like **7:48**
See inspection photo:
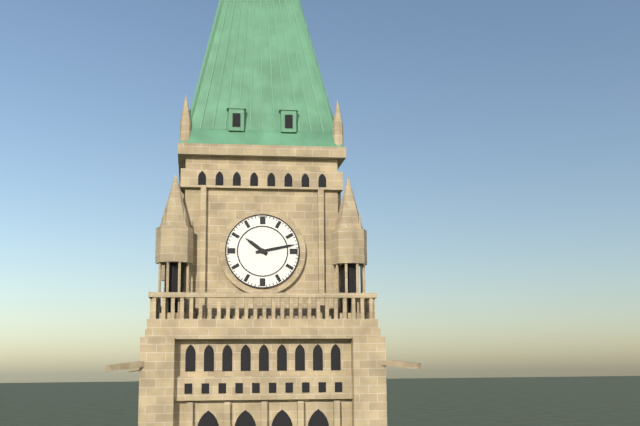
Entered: **10:13**
